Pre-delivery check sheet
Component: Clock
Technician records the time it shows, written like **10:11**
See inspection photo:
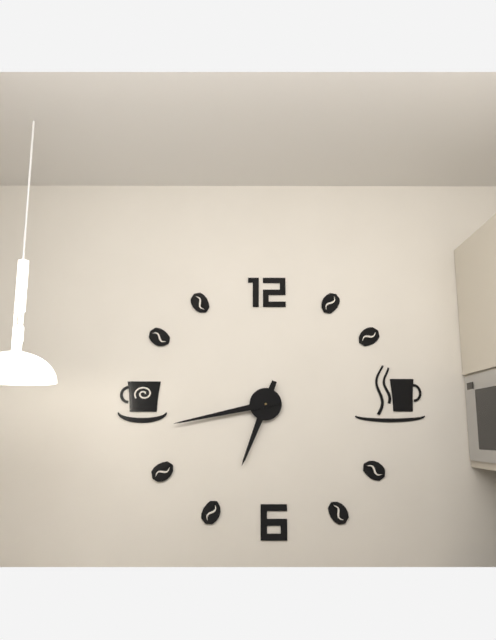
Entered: **6:43**
